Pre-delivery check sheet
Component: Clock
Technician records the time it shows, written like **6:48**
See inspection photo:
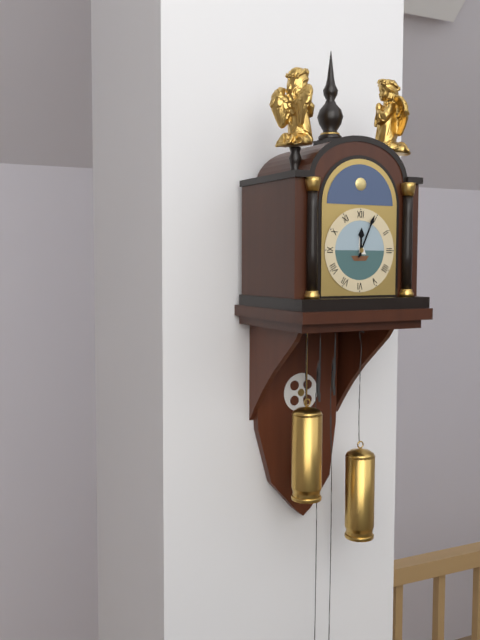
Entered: **12:04**
